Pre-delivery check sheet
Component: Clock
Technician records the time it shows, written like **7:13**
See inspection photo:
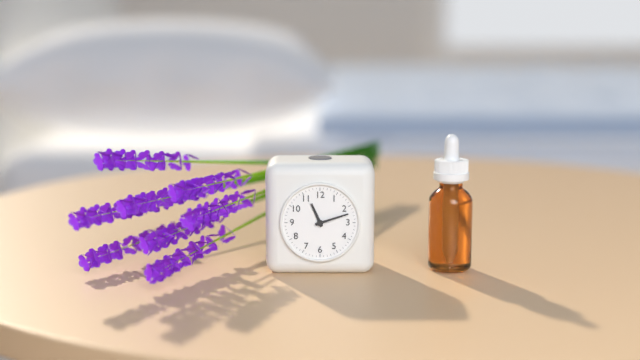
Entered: **11:12**
